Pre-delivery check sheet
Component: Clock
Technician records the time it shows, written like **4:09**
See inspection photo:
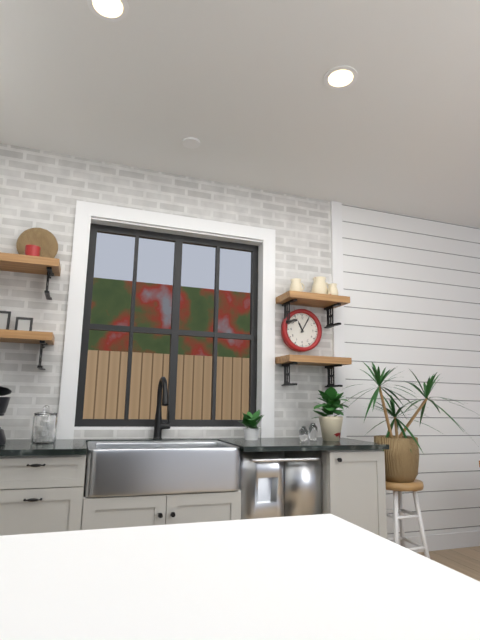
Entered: **11:05**
